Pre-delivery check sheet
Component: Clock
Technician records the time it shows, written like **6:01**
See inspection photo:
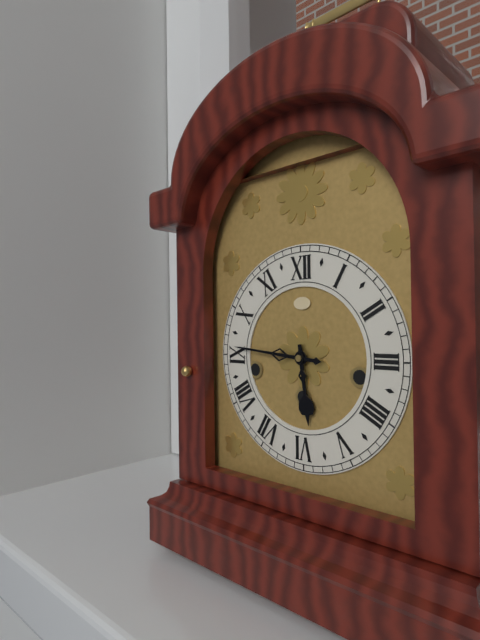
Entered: **5:46**
